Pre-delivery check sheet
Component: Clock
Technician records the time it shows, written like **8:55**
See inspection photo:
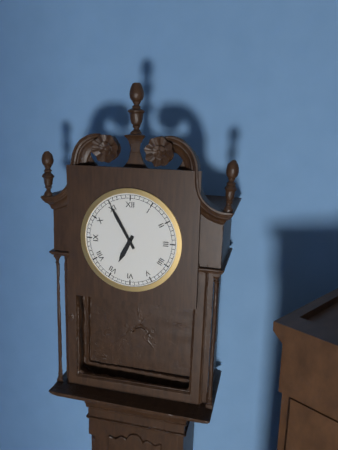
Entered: **6:55**
